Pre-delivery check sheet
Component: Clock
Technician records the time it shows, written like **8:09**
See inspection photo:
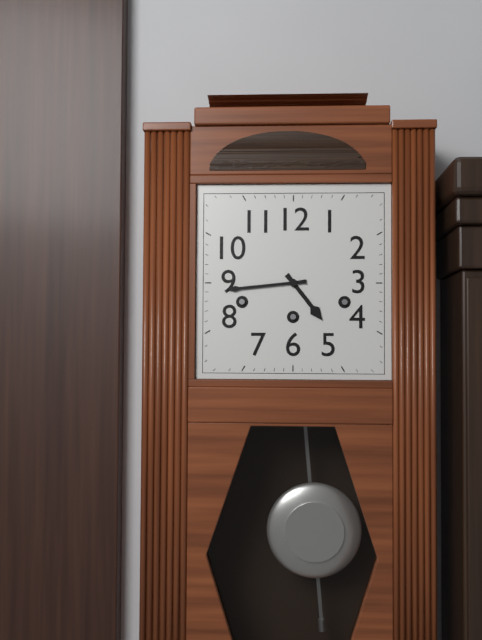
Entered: **4:44**
